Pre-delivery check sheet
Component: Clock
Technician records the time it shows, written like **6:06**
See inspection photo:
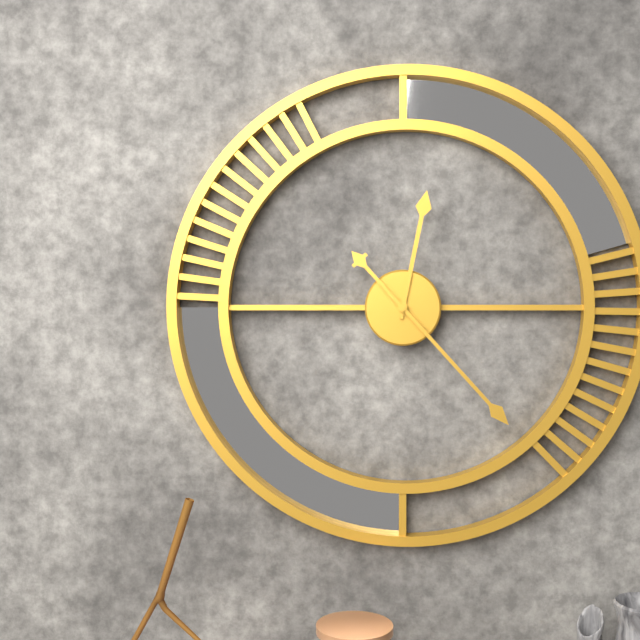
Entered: **12:23**
